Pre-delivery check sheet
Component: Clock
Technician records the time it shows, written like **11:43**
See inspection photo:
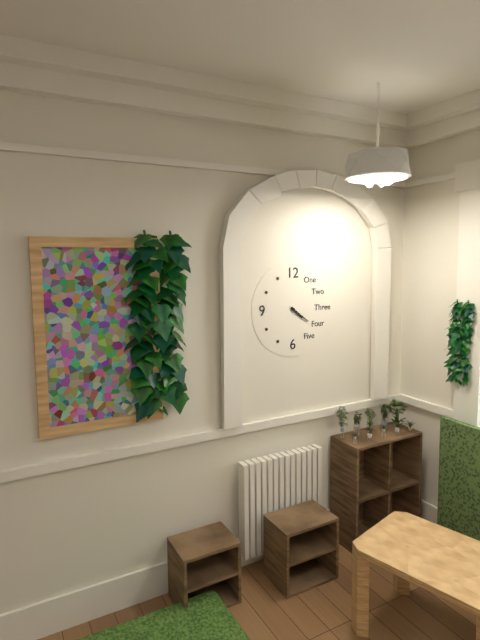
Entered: **4:21**
